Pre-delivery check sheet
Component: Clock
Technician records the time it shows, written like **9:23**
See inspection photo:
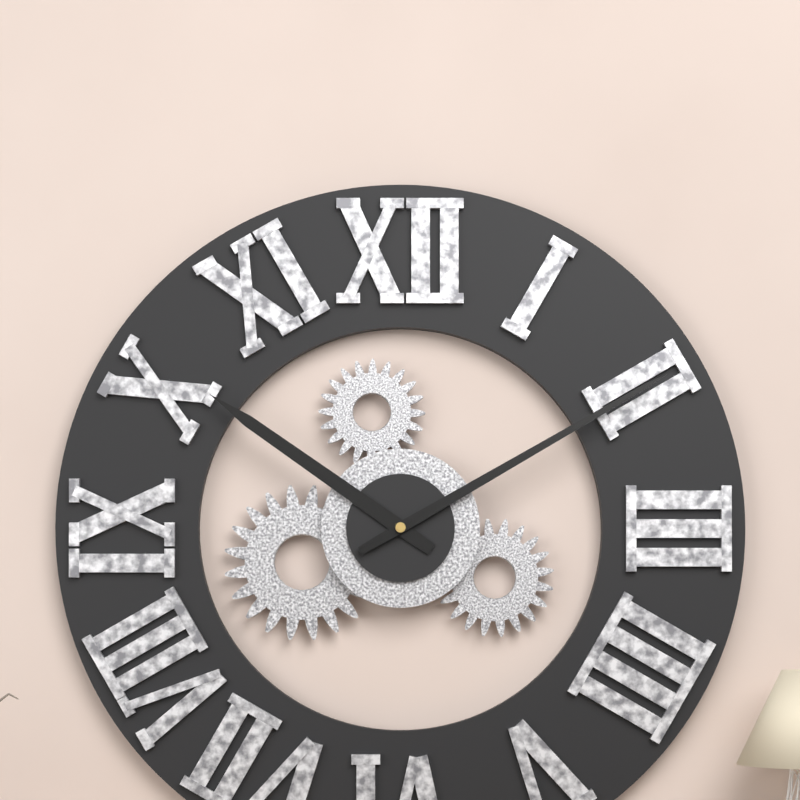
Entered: **10:10**
